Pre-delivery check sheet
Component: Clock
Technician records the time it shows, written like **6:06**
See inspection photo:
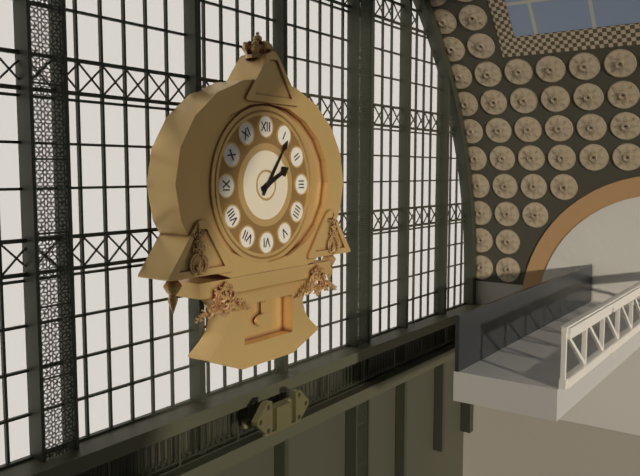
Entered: **2:06**
